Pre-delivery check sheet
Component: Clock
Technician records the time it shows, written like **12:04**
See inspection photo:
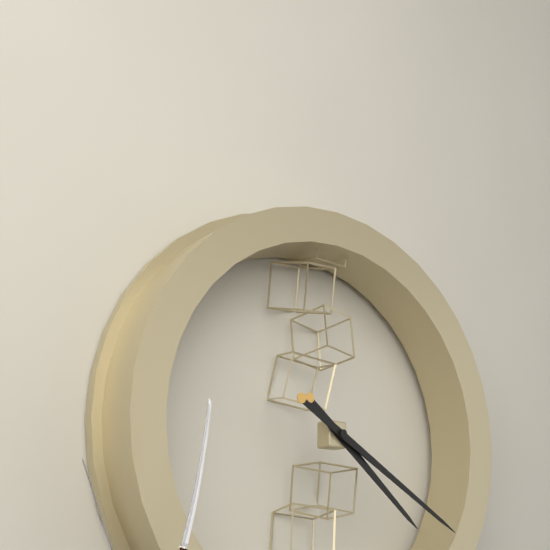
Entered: **4:20**
